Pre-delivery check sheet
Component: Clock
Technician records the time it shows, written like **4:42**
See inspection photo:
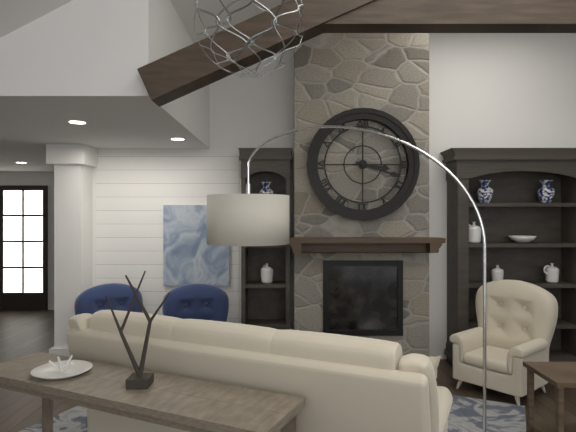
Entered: **3:18**
